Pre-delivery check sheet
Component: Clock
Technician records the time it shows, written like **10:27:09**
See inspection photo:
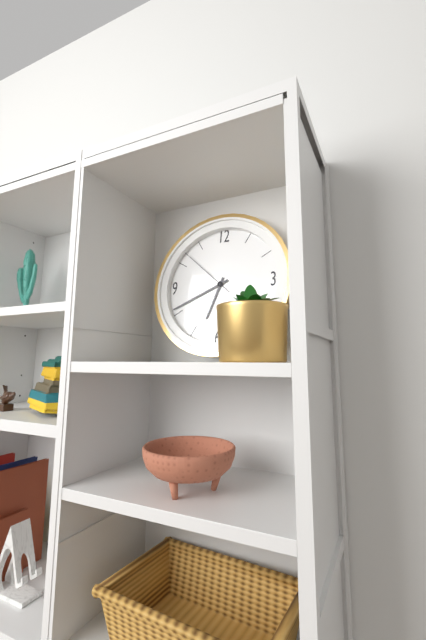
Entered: **6:41:52**
